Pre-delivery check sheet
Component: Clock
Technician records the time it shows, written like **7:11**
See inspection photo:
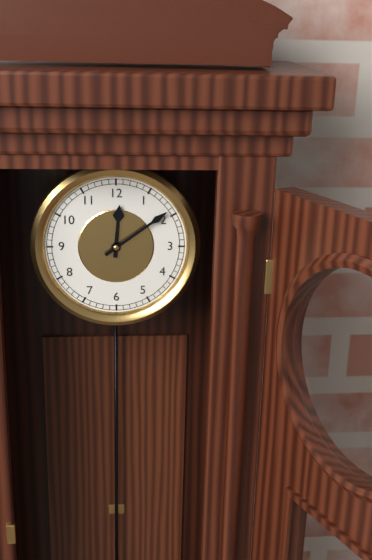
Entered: **12:09**
